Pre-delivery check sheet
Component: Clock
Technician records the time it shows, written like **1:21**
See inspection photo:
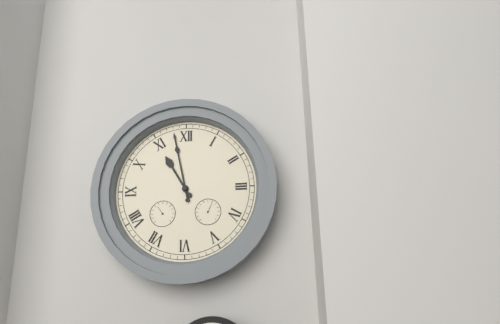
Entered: **10:58**
